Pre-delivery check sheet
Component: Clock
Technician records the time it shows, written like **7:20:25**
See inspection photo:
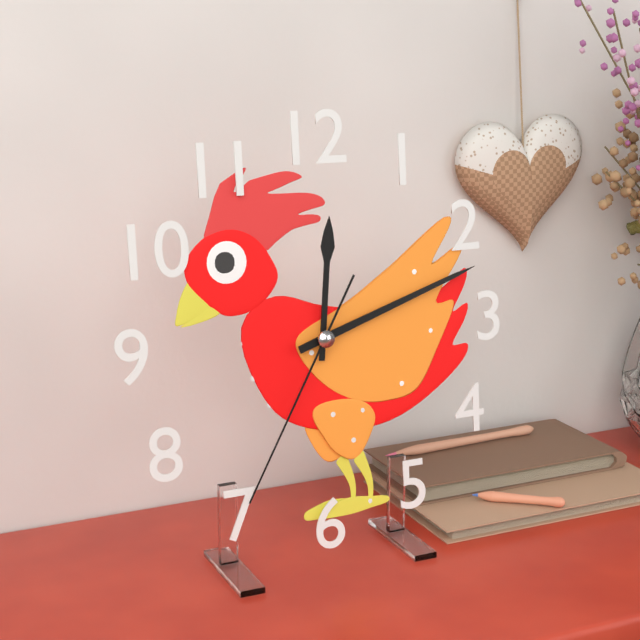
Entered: **12:12:35**
